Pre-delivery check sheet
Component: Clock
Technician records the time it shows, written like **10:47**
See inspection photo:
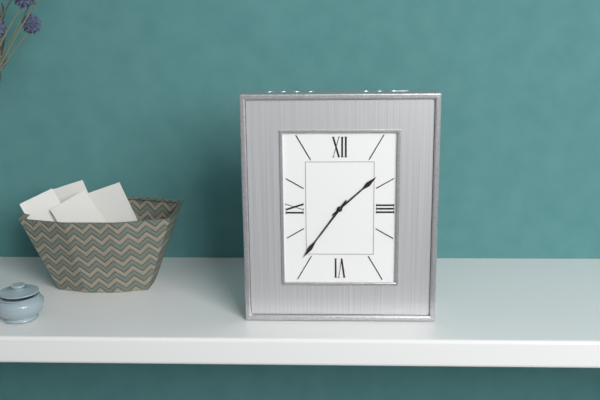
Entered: **1:36**
